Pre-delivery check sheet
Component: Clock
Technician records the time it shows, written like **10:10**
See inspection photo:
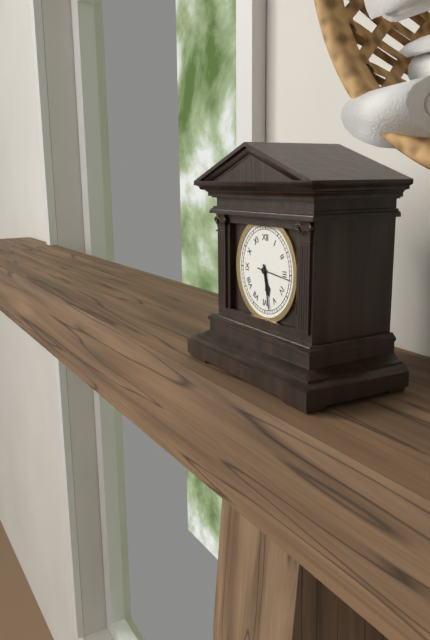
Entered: **5:28**
